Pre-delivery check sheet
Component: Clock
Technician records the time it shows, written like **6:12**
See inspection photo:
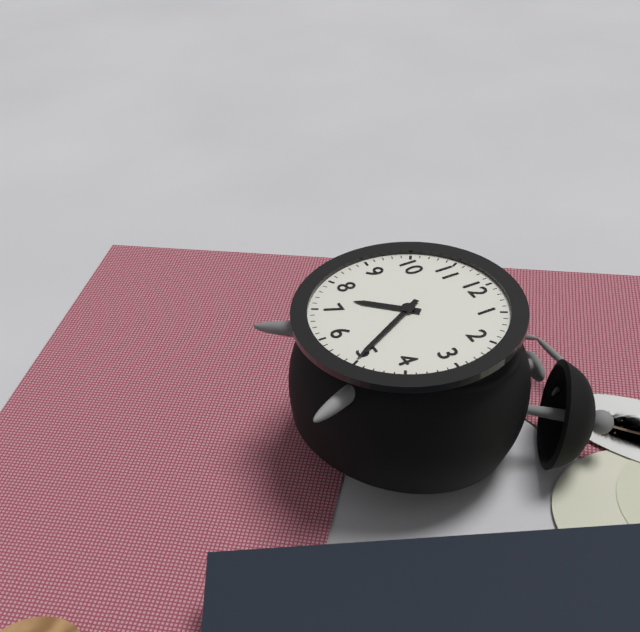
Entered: **7:25**
